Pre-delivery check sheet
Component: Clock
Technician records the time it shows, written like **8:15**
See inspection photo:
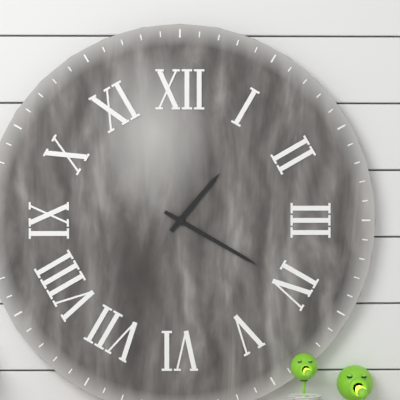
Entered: **1:20**
